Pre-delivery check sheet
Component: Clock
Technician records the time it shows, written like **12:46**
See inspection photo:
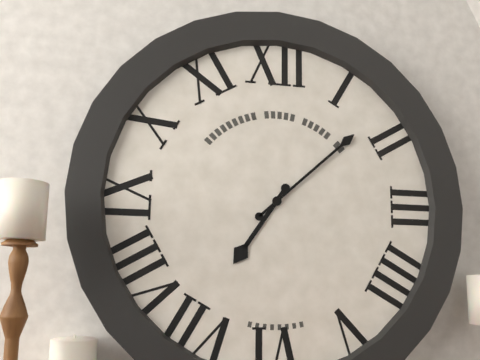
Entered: **7:08**
